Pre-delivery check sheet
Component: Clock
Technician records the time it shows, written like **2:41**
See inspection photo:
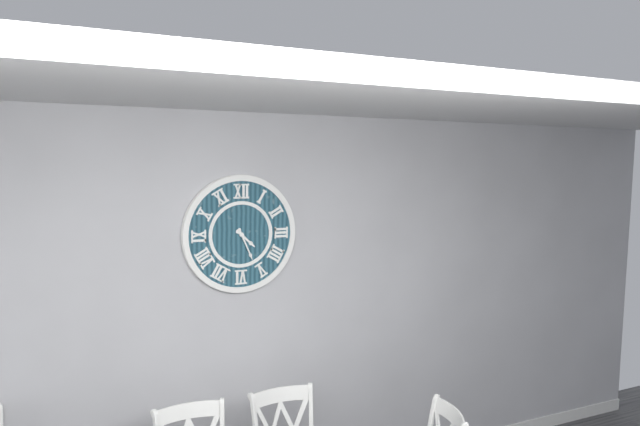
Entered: **4:26**
